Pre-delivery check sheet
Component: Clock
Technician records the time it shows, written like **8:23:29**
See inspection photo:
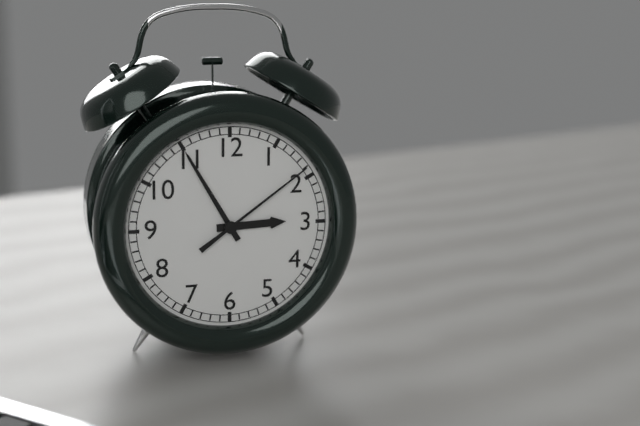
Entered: **2:55:09**
